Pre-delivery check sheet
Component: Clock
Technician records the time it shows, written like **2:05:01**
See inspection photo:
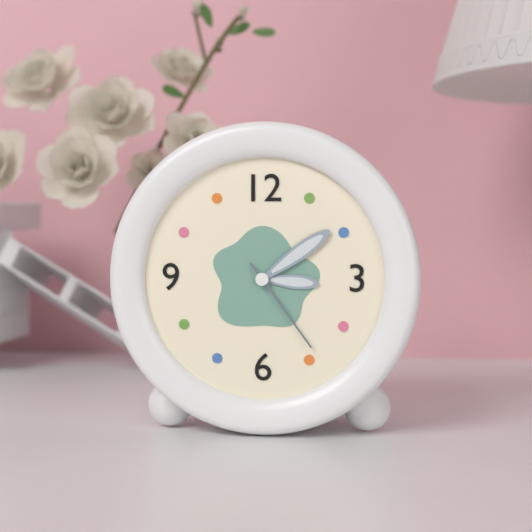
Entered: **3:09:24**
